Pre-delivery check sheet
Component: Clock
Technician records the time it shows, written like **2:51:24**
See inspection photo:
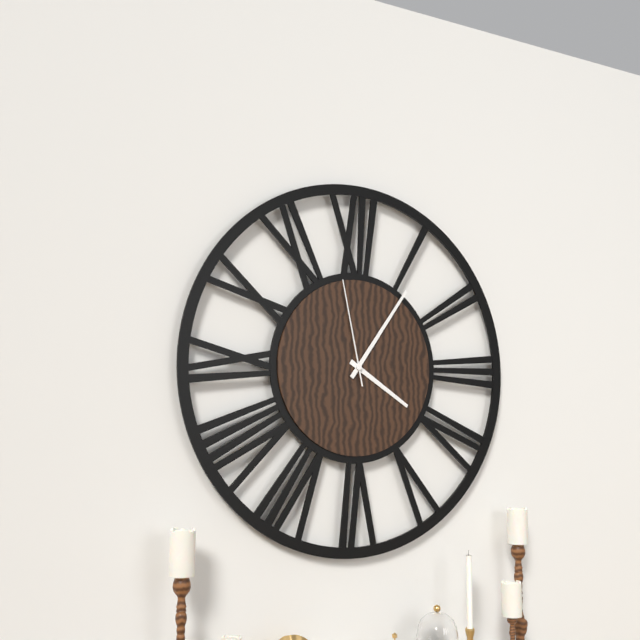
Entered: **4:06:58**
